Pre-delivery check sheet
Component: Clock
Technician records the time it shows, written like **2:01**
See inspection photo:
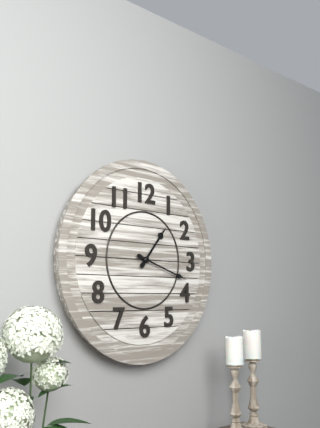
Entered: **1:18**
